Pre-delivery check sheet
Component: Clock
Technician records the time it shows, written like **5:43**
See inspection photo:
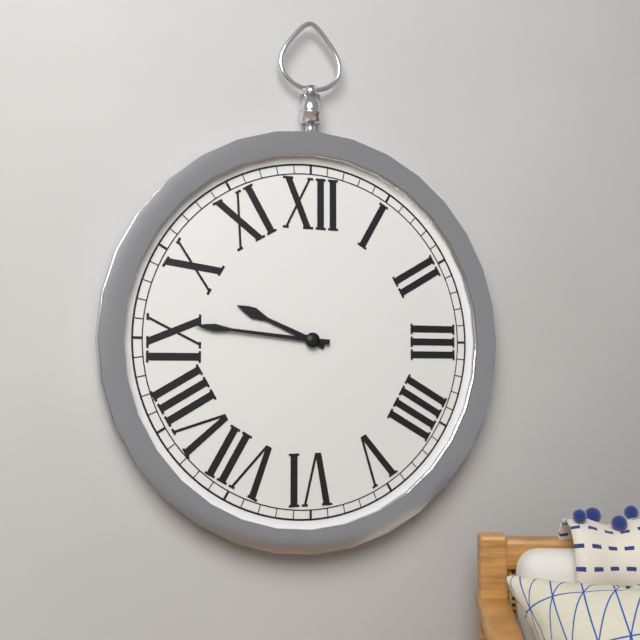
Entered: **9:46**
